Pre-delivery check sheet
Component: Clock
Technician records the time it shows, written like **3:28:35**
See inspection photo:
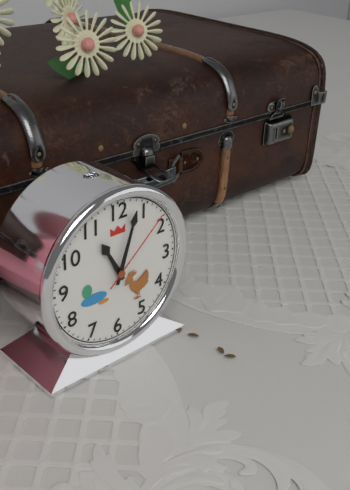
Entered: **11:03:08**
